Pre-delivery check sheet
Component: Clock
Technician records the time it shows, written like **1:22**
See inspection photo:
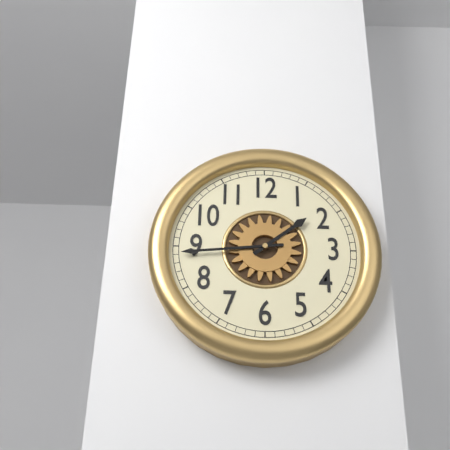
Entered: **1:44**
